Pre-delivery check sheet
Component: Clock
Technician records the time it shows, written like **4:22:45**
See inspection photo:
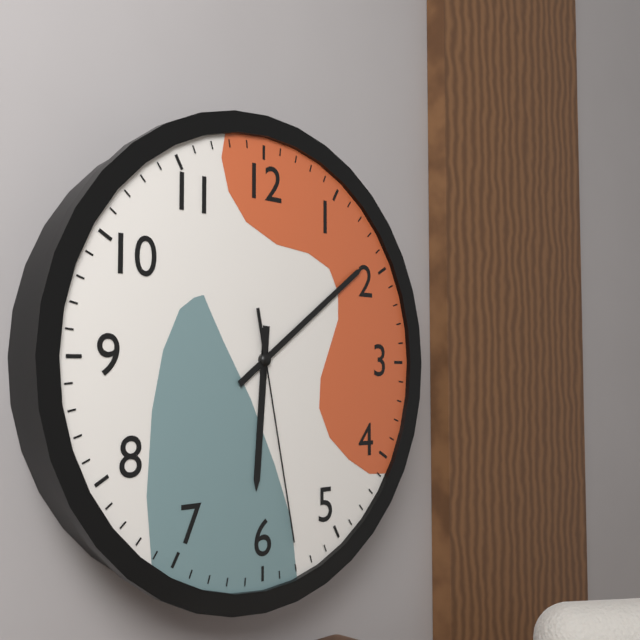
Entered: **6:09:28**
